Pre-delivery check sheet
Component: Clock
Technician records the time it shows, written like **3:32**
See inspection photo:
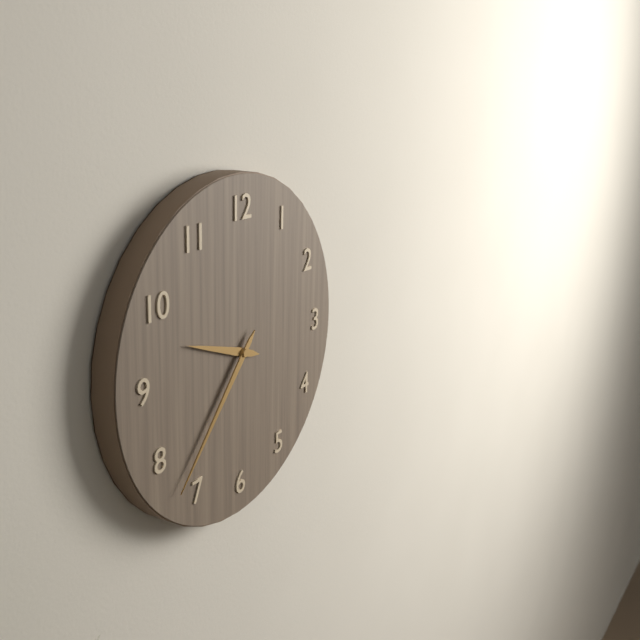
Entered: **9:37**
